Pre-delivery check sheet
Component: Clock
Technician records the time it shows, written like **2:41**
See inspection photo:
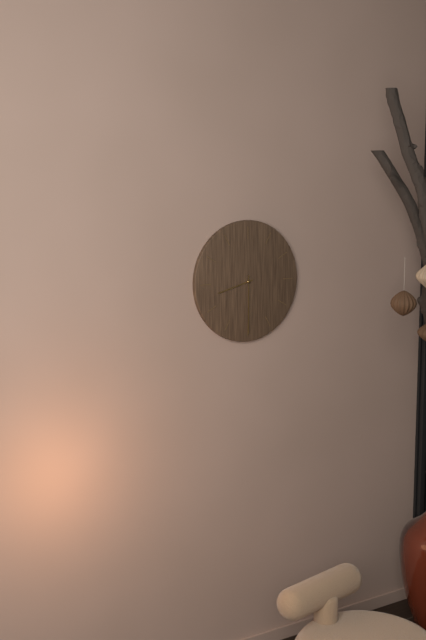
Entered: **8:30**
